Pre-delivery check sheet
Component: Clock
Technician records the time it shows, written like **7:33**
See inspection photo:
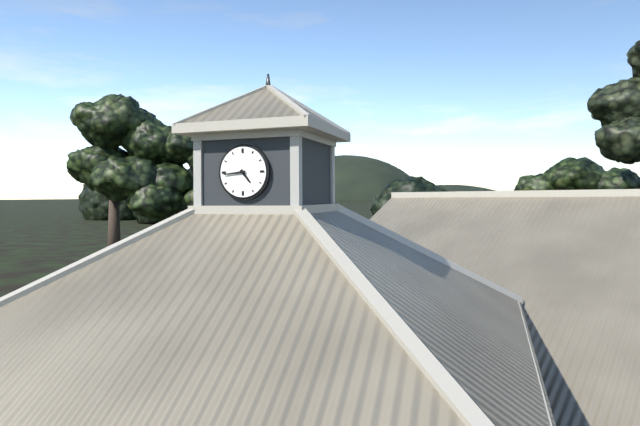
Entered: **4:44**
